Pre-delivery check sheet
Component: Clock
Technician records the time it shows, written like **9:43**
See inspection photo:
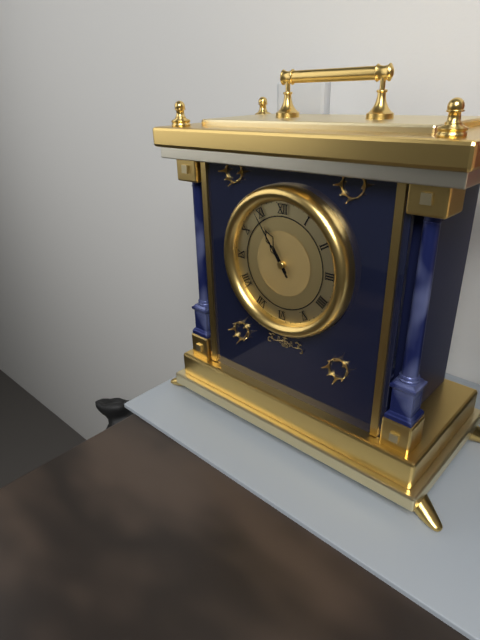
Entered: **10:54**
